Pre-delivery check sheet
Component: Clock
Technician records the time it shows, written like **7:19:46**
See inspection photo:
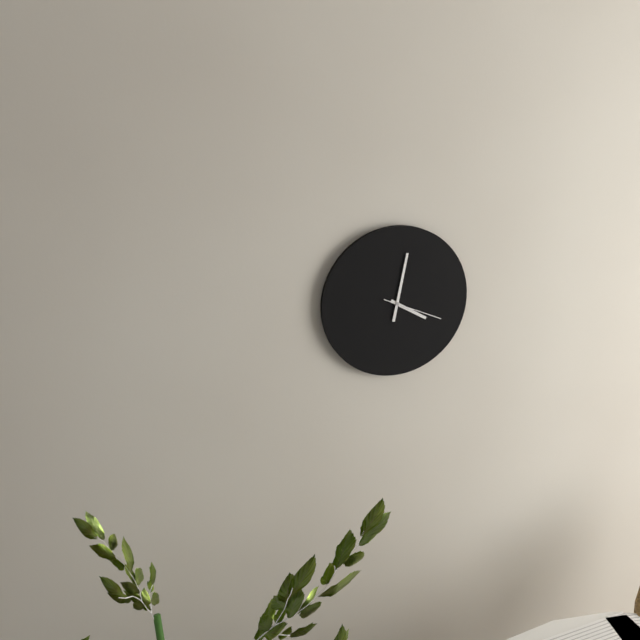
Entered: **4:02:19**
